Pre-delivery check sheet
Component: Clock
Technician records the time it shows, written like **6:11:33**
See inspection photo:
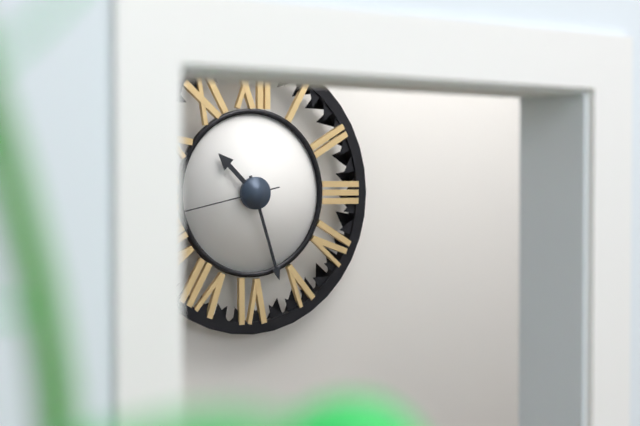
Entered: **10:27:43**
